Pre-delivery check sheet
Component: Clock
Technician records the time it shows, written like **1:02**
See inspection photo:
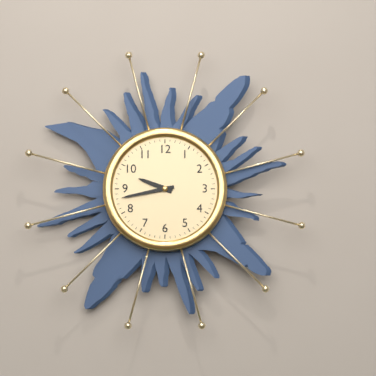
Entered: **9:43**
